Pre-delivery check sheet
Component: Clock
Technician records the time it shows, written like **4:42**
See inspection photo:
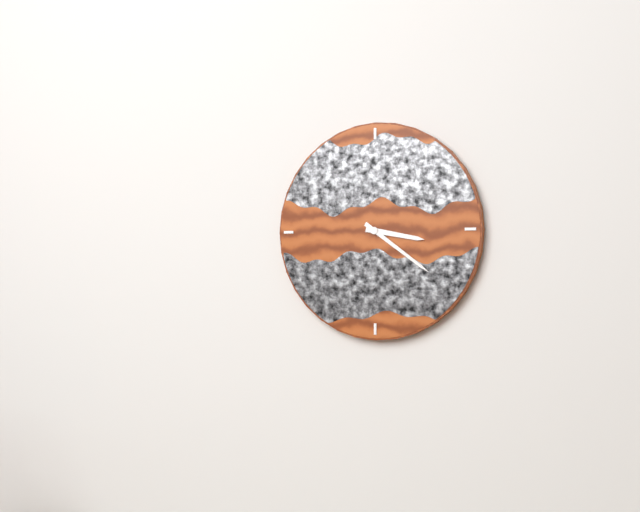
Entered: **3:21**
